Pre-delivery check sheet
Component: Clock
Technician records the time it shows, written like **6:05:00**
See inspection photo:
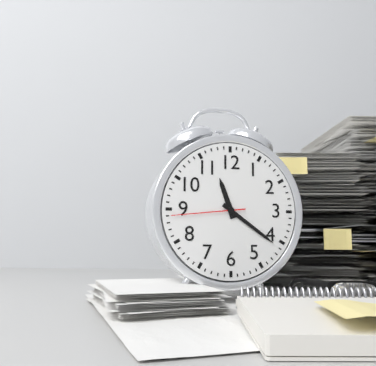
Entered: **11:21:44**
